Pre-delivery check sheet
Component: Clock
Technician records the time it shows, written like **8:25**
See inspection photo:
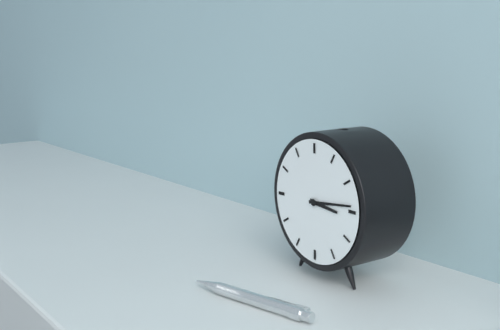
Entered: **3:14**
